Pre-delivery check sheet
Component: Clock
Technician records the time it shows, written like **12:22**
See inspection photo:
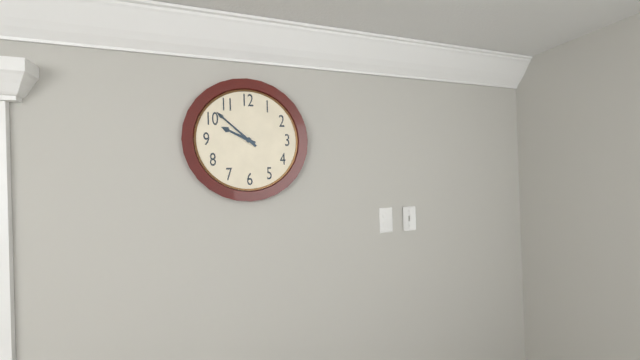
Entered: **9:52**
